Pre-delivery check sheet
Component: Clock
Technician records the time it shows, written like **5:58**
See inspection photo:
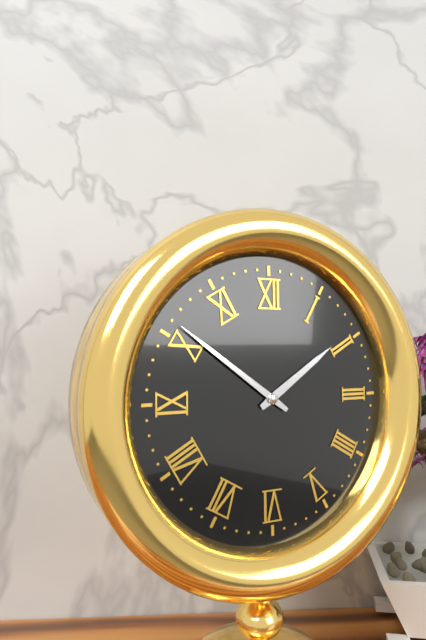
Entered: **1:51**
